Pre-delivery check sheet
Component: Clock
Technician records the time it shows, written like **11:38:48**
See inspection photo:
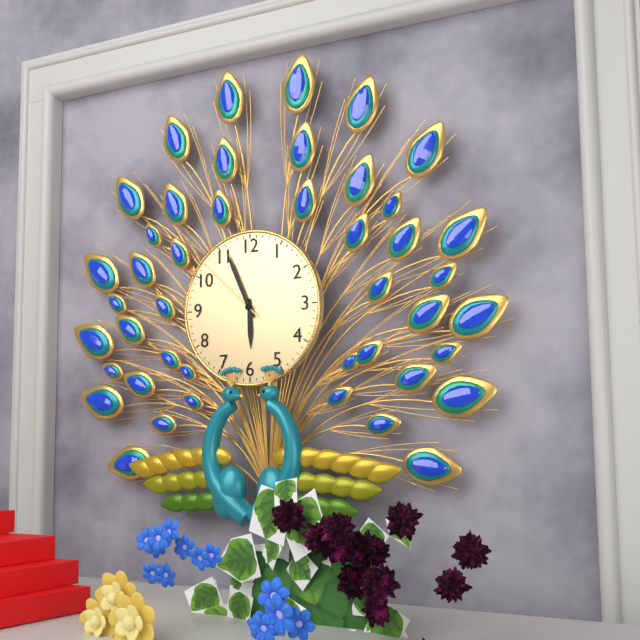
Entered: **5:56:52**
